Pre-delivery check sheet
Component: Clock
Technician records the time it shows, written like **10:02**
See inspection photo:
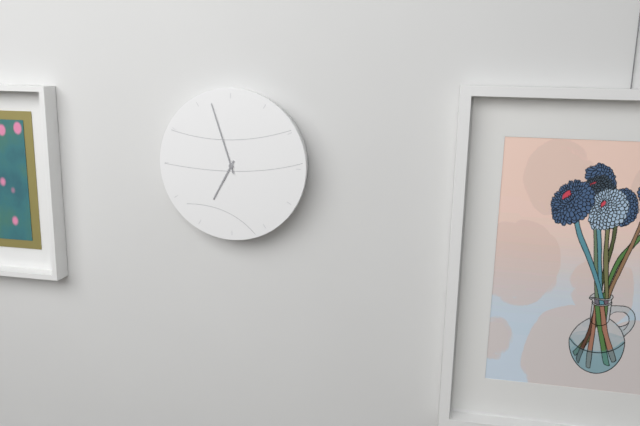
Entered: **6:57**
